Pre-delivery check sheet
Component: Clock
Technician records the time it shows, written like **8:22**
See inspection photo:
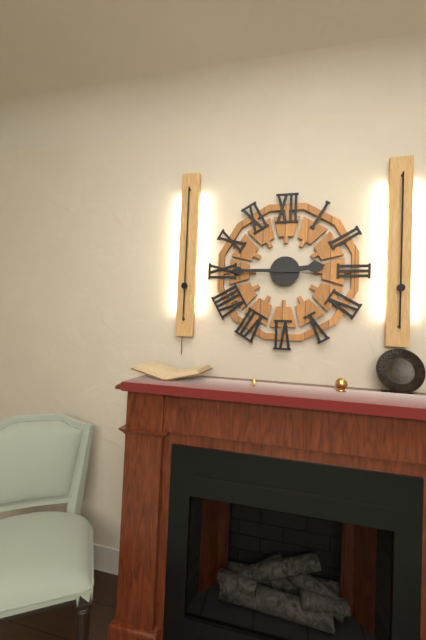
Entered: **2:45**
